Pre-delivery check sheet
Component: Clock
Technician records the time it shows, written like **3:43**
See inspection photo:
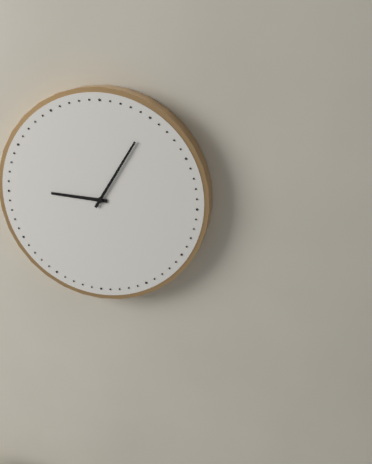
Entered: **9:05**
